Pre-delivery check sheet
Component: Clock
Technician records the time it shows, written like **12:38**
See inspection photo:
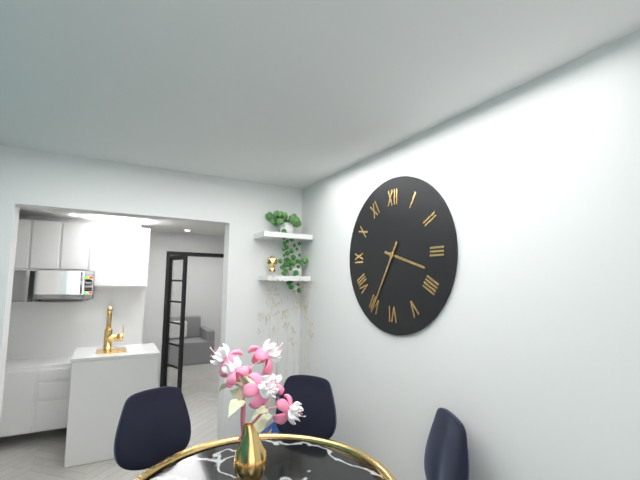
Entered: **3:35**
